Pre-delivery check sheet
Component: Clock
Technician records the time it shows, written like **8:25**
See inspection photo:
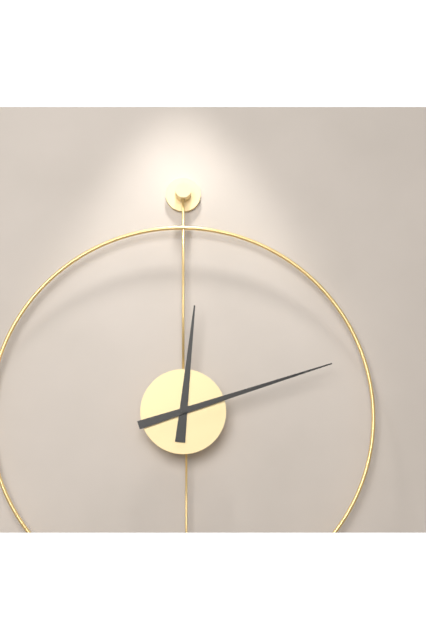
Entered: **12:12**
